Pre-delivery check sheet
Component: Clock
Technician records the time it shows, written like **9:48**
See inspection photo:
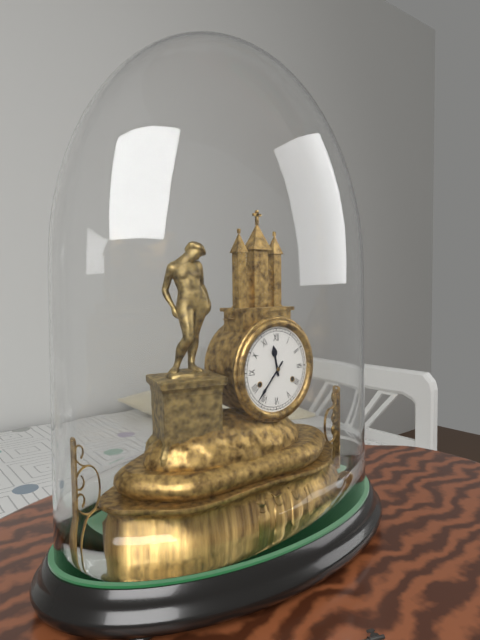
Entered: **11:37**
